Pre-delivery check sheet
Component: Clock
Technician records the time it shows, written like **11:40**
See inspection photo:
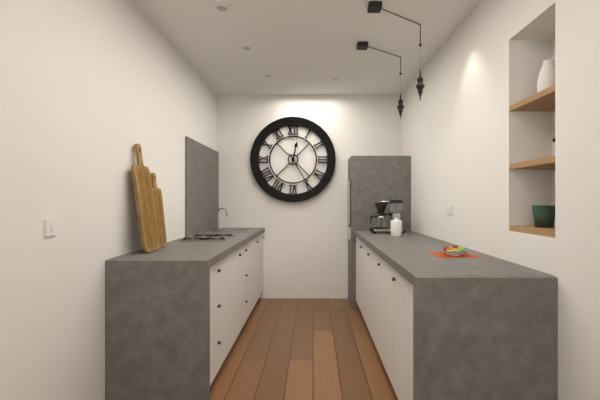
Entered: **12:25**
